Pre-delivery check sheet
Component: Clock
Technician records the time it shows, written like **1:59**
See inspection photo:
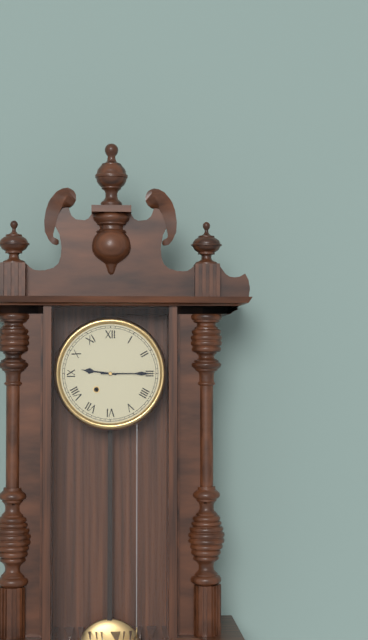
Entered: **9:15**
